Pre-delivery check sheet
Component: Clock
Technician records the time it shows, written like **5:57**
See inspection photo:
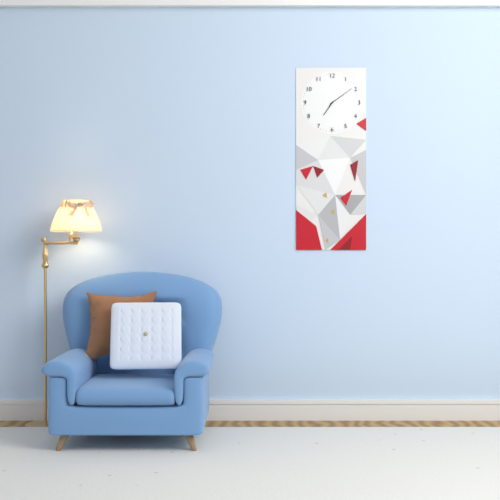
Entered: **7:09**
